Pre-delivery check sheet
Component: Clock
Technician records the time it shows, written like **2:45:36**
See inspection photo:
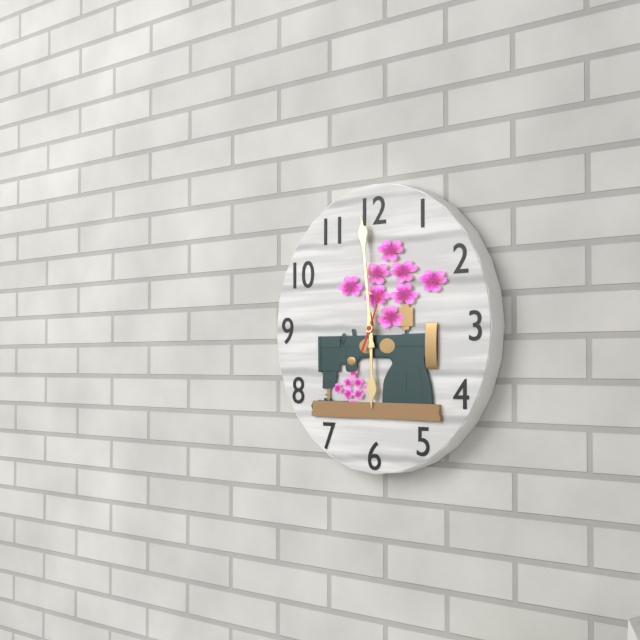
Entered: **5:59:04**
